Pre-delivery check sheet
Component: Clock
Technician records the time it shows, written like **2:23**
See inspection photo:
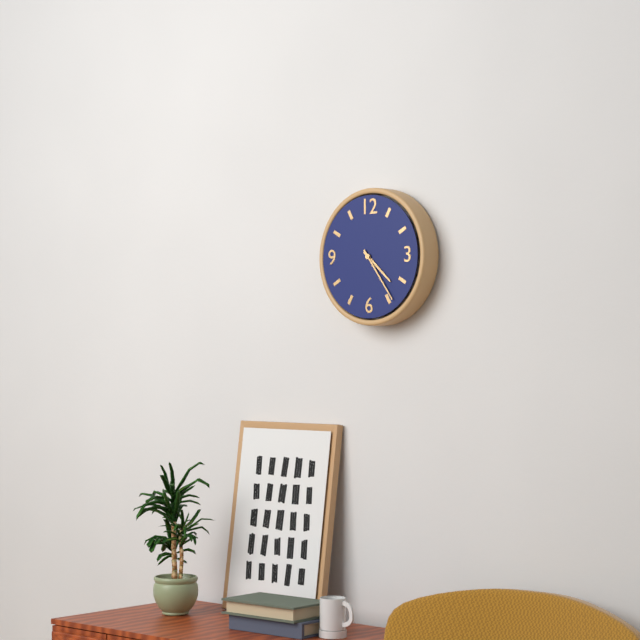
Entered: **4:24**
